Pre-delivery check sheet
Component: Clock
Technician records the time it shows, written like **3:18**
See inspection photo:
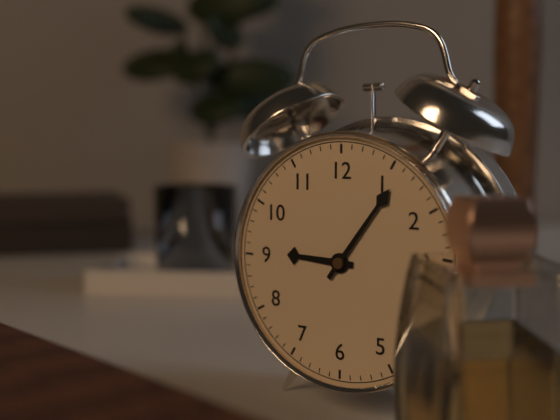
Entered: **9:06**
